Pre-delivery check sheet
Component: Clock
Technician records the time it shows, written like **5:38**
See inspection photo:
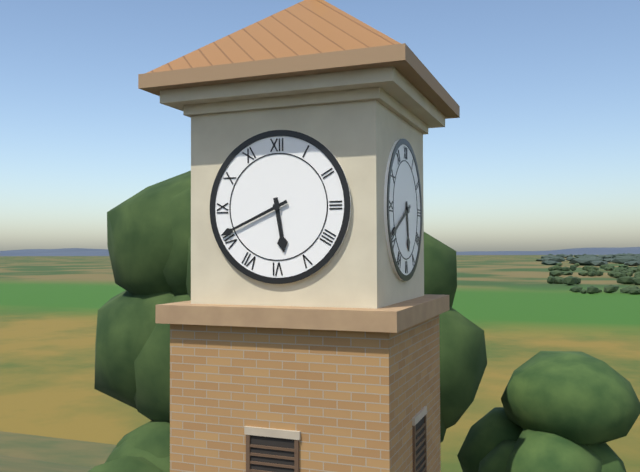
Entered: **5:41**
